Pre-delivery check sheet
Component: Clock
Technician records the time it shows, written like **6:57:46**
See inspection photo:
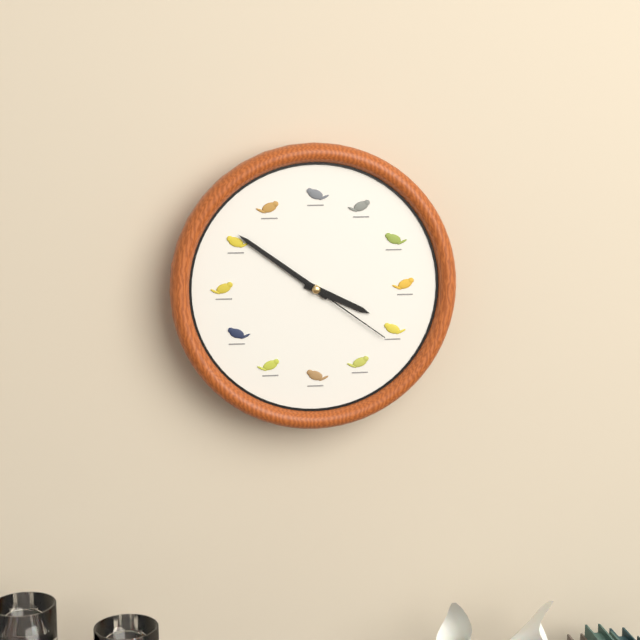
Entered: **3:51:21**
